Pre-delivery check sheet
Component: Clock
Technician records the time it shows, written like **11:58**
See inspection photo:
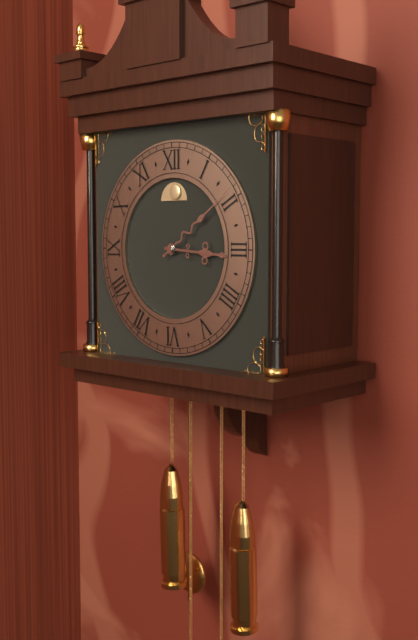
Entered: **3:09**
